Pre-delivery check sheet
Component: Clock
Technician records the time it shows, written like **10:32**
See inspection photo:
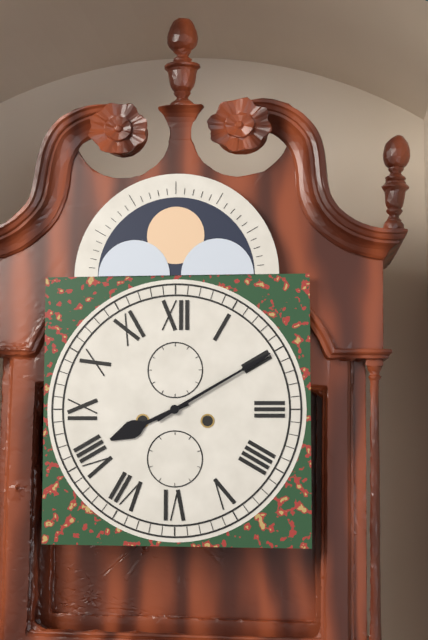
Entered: **8:10**
